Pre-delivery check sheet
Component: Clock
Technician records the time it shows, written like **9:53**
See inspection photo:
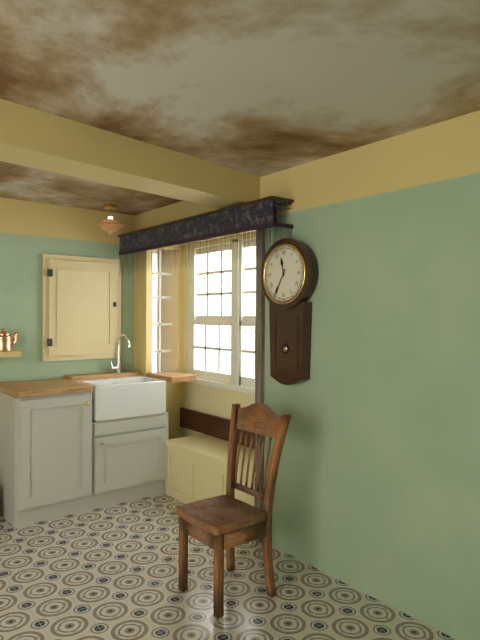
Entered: **11:35**
